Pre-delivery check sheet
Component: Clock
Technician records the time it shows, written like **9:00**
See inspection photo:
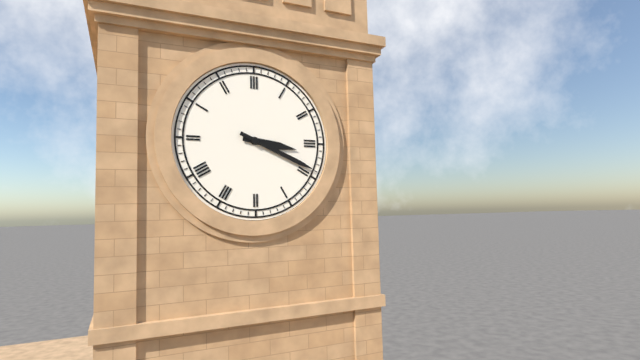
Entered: **3:19**
